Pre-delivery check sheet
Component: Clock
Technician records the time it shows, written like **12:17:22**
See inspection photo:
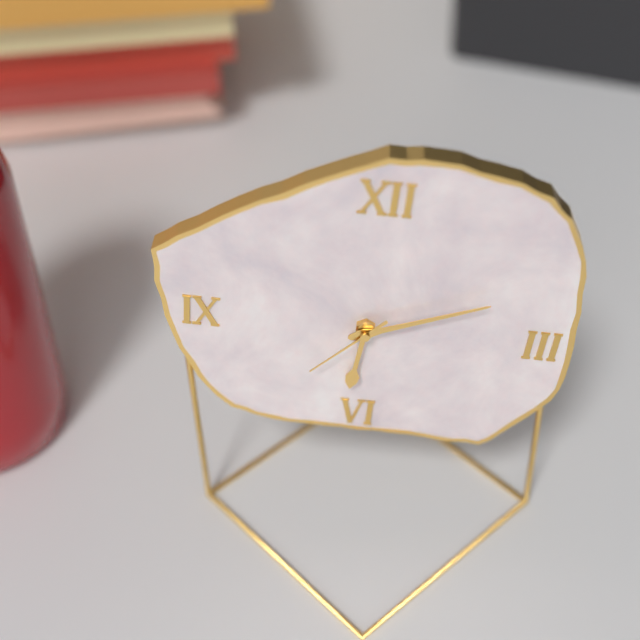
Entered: **6:11:37**
